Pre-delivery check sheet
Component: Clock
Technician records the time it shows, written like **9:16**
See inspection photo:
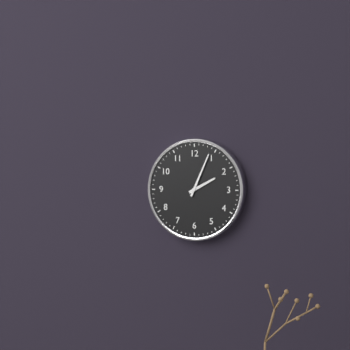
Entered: **2:04**
